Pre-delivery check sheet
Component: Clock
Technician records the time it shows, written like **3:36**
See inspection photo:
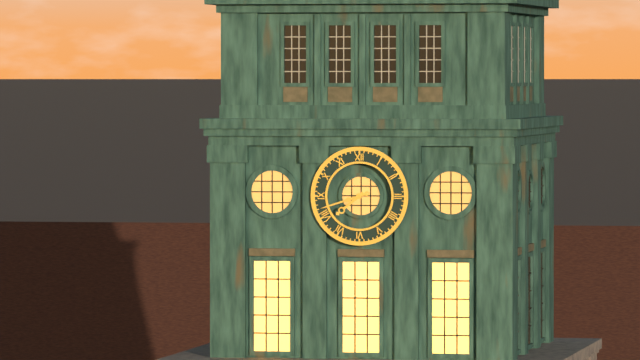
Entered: **7:42**
